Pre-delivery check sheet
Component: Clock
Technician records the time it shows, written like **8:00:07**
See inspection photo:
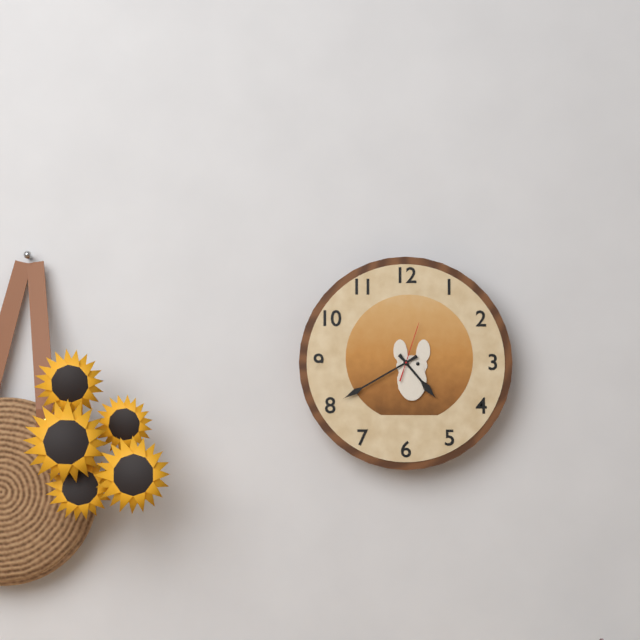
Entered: **4:40:03**
